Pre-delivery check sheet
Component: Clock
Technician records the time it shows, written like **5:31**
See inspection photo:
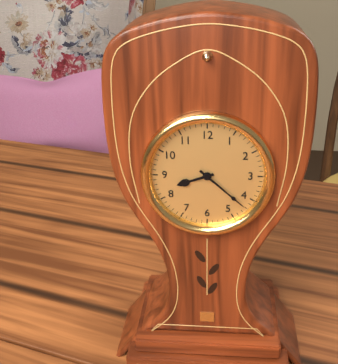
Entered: **8:22**
